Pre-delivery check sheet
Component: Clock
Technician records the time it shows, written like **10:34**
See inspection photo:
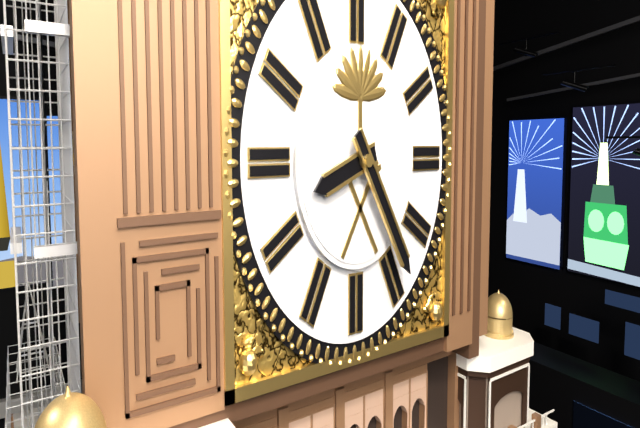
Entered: **8:24**
